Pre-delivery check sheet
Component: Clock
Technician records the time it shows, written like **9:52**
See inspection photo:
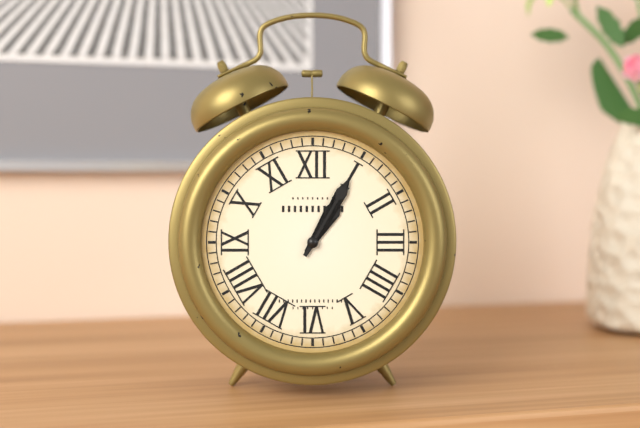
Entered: **1:05**
